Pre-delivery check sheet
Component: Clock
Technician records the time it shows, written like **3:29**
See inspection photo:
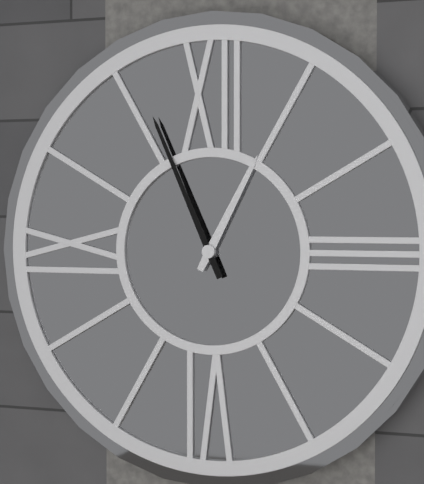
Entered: **12:56**
